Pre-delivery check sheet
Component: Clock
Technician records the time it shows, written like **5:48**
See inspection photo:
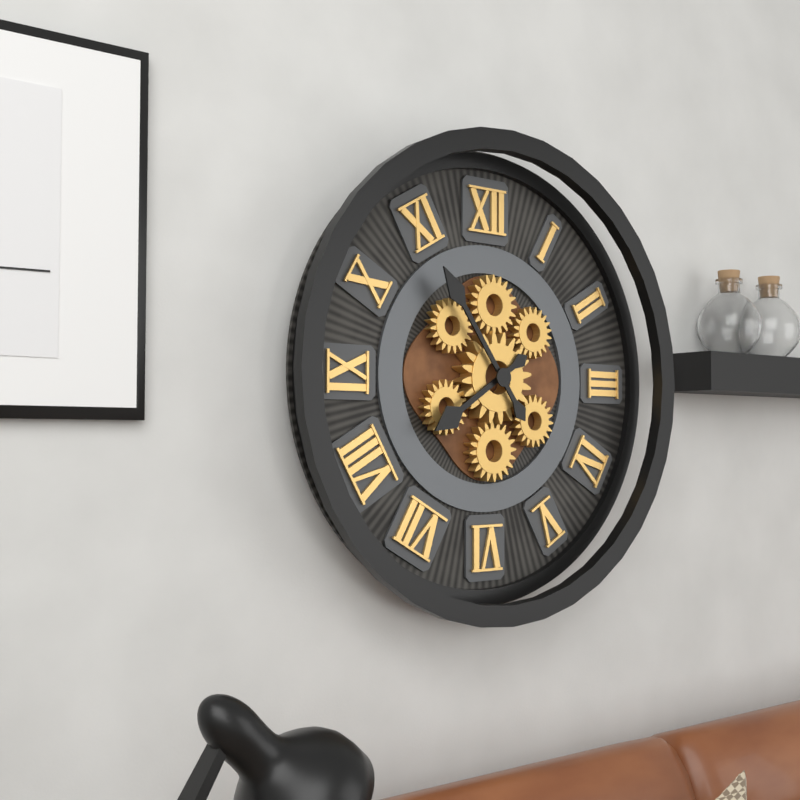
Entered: **7:54**
